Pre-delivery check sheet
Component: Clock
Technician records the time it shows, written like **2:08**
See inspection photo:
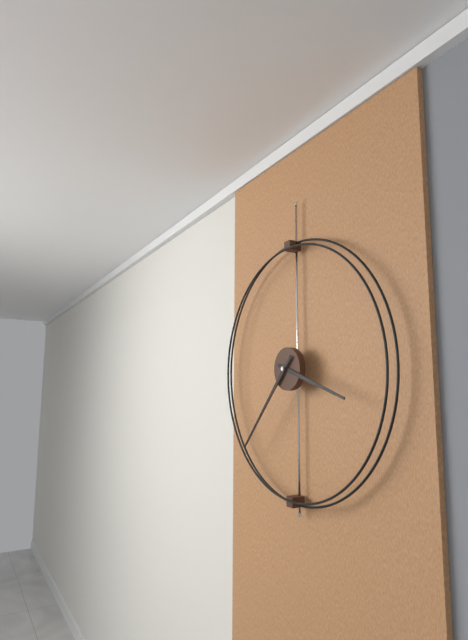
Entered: **3:37**
